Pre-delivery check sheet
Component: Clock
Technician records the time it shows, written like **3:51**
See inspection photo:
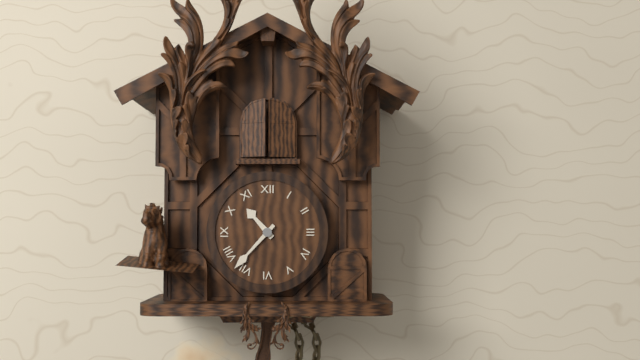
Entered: **10:37**
